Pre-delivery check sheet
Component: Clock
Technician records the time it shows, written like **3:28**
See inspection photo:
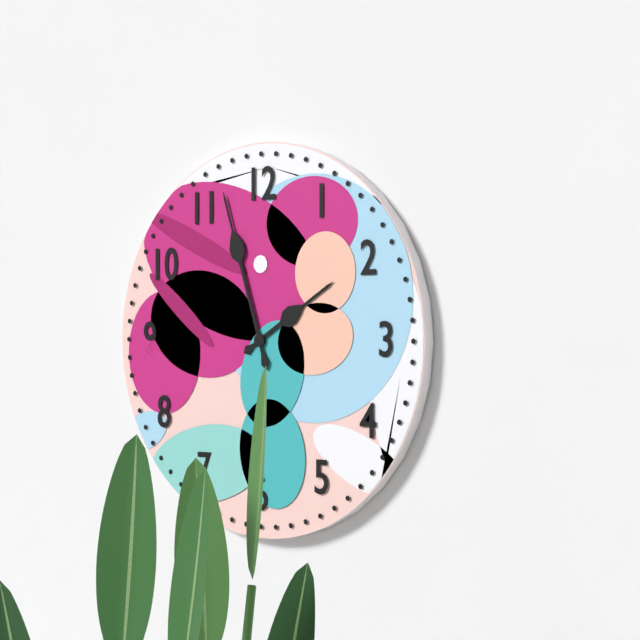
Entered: **1:57**
